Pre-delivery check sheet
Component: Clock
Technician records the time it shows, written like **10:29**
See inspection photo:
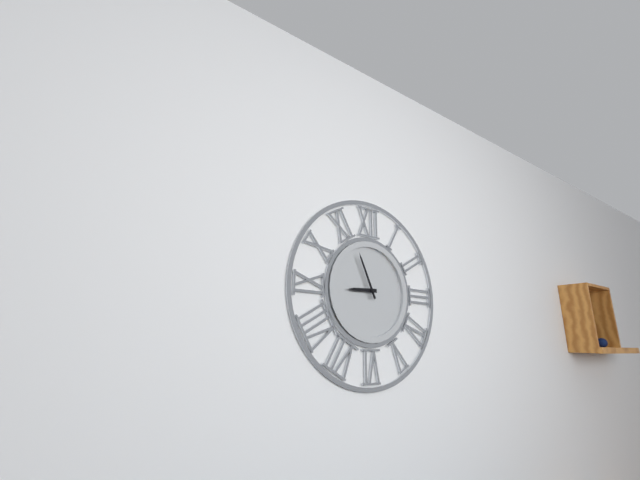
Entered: **8:56**
